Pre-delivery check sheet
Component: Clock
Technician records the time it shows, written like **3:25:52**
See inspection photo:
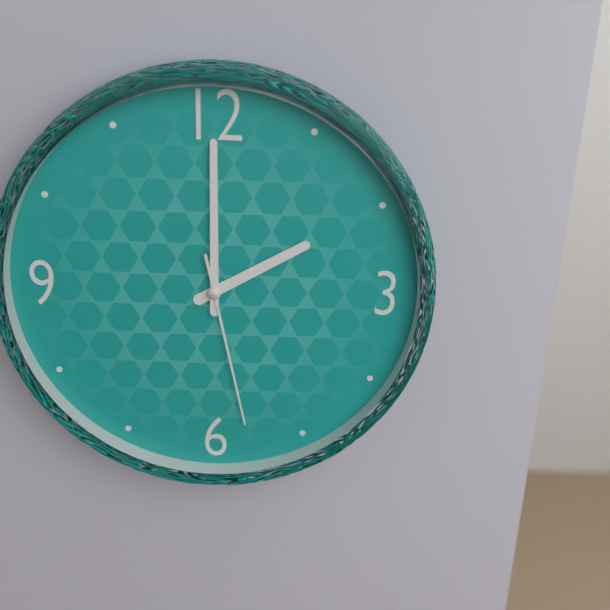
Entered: **2:00:28**
